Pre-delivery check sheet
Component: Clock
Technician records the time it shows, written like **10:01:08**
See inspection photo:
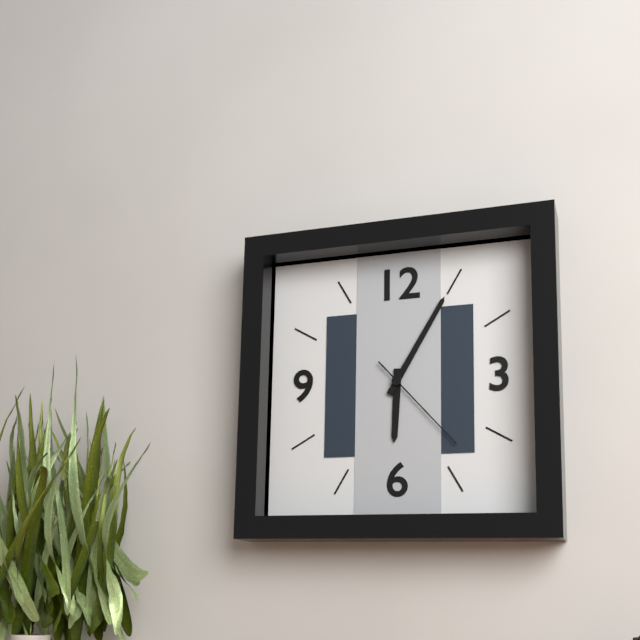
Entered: **6:05:23**
